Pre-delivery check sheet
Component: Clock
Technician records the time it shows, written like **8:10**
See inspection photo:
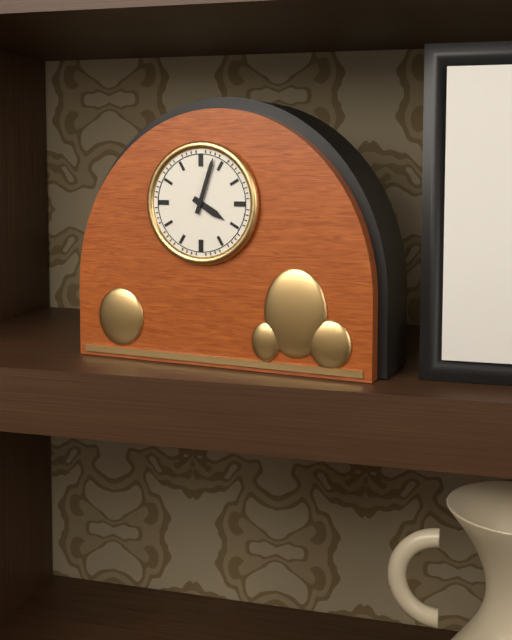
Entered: **4:03**
